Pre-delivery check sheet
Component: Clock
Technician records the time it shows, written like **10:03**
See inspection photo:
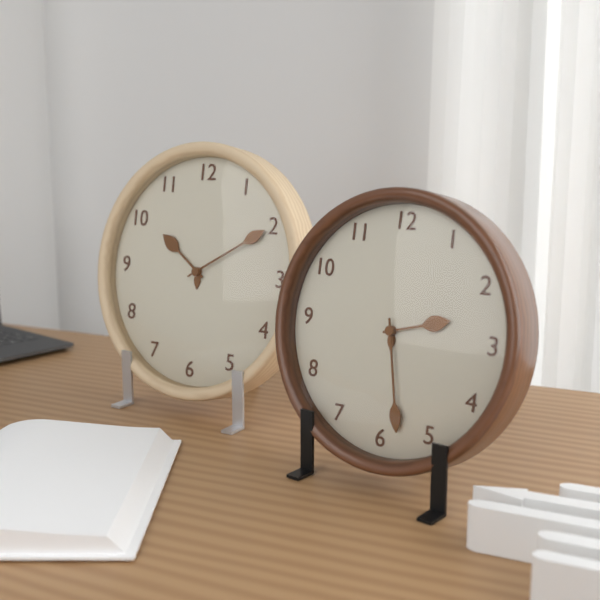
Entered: **2:28**
